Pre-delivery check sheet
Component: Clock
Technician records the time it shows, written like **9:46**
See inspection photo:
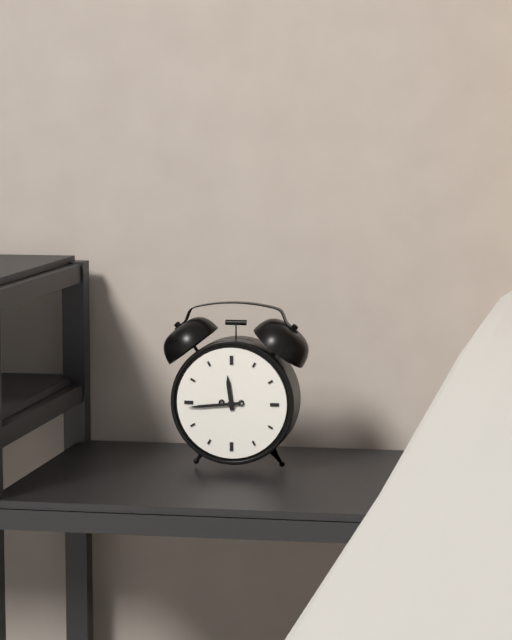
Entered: **11:44**
